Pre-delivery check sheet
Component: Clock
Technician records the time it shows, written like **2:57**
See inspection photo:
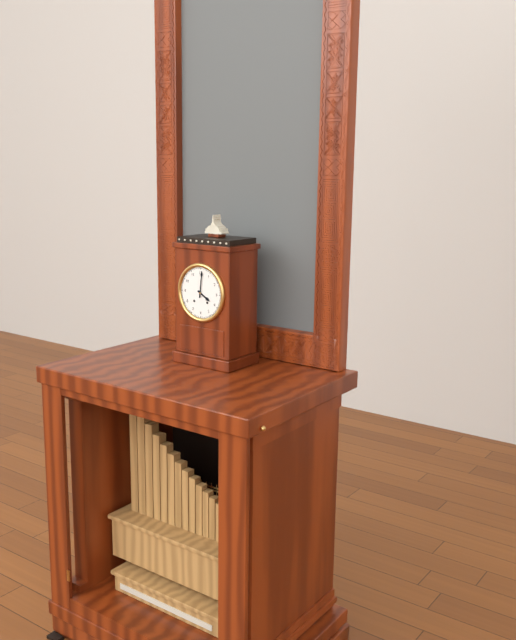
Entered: **4:01**
